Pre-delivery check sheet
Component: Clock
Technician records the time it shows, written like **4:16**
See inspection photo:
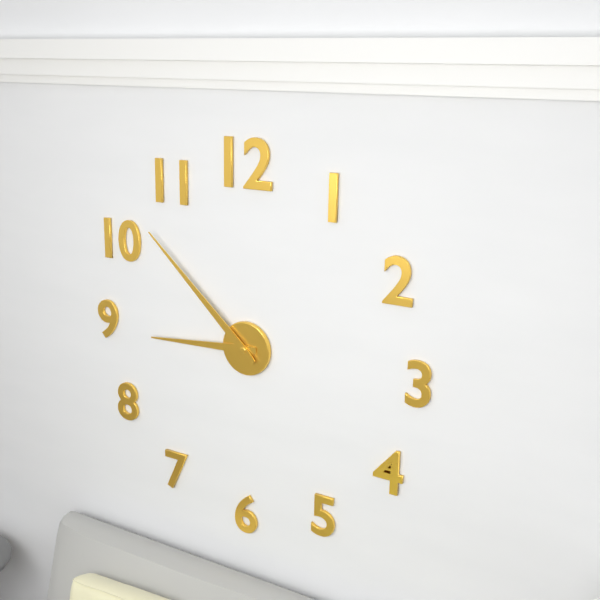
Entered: **8:52**
